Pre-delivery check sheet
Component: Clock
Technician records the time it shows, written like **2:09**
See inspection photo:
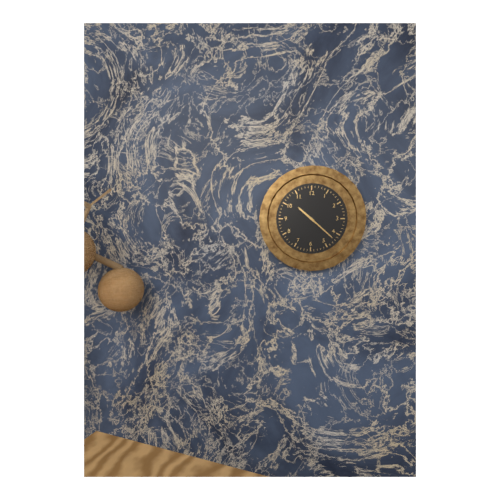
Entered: **10:22**
